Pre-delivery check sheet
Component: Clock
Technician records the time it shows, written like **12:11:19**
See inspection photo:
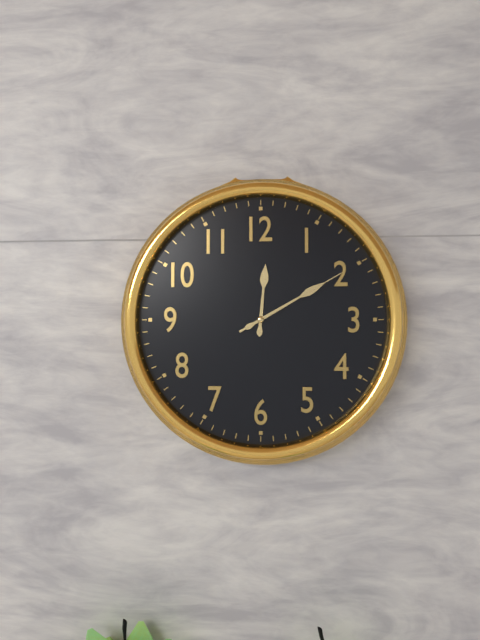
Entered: **12:10:10**
